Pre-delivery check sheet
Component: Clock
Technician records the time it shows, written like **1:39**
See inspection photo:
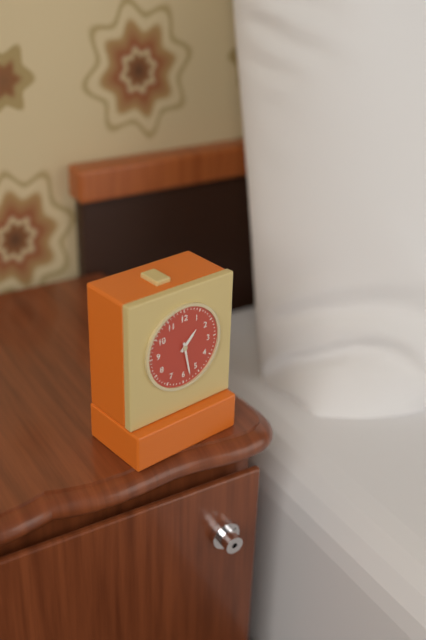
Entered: **1:28**
